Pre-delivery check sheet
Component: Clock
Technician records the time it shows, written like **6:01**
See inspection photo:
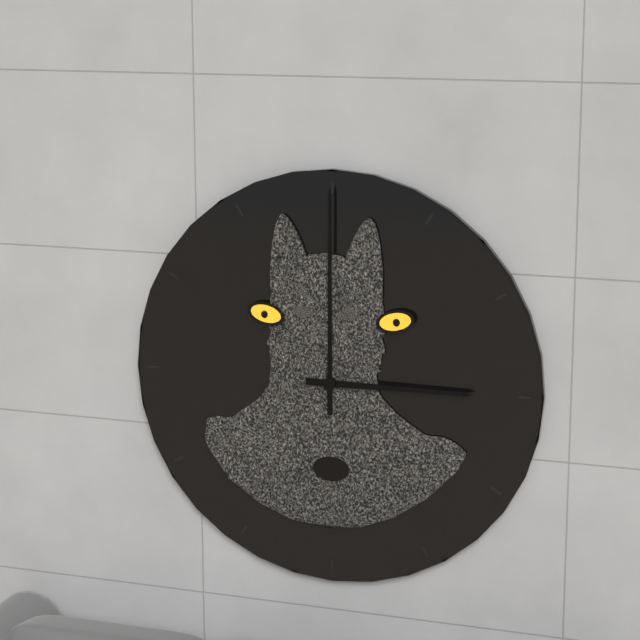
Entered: **3:00**
